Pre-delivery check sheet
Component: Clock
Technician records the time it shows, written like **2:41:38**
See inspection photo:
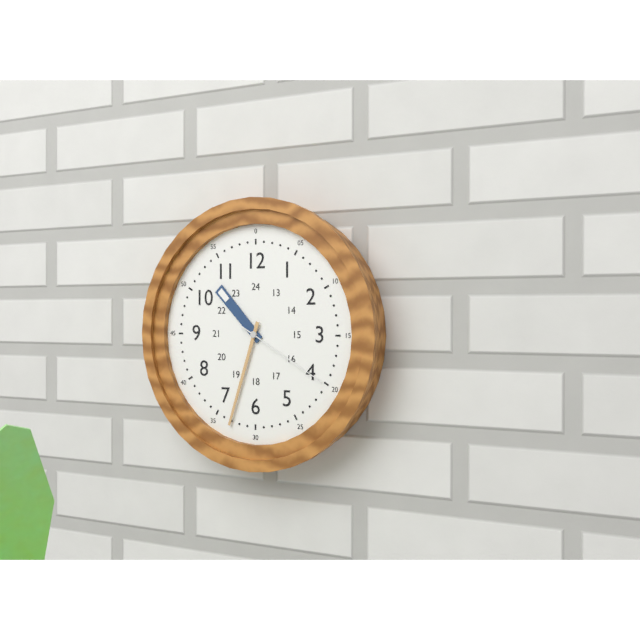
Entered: **10:33:20**
